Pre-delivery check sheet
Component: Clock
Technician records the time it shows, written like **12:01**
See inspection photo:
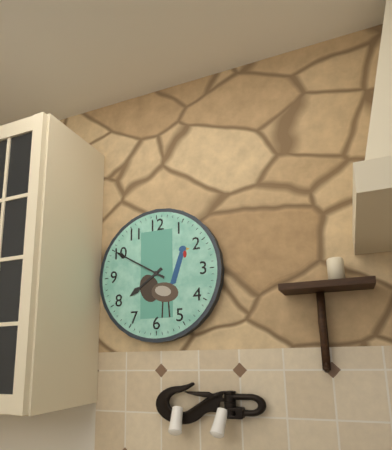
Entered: **7:50**
